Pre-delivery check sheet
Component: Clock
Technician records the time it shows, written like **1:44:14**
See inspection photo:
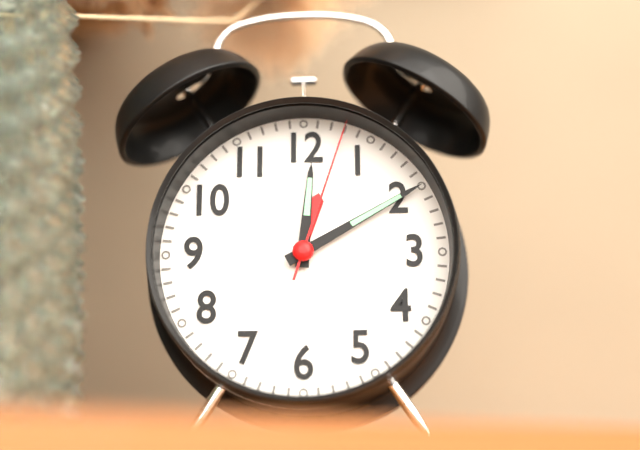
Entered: **12:10:03**
